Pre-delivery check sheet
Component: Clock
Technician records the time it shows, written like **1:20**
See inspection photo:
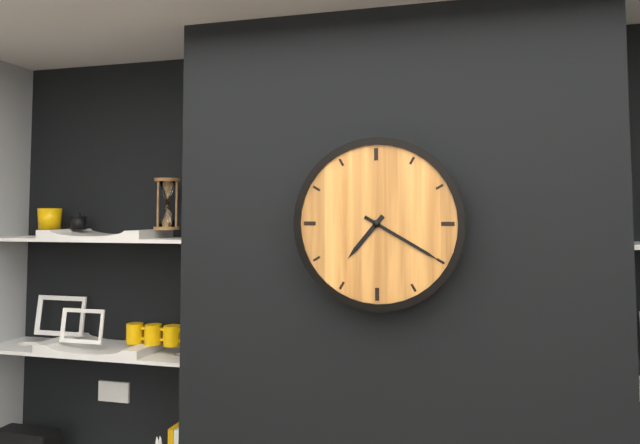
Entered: **7:20**
